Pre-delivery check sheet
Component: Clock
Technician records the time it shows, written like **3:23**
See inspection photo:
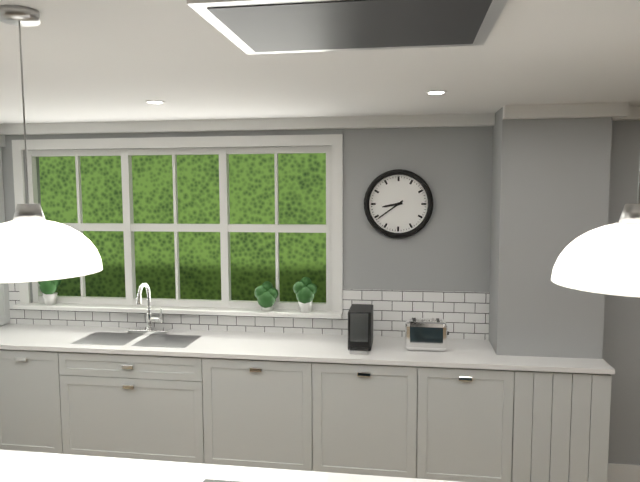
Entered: **8:39**
